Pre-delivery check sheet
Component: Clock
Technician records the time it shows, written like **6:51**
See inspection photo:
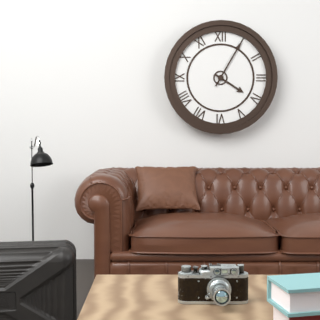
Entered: **4:05**
